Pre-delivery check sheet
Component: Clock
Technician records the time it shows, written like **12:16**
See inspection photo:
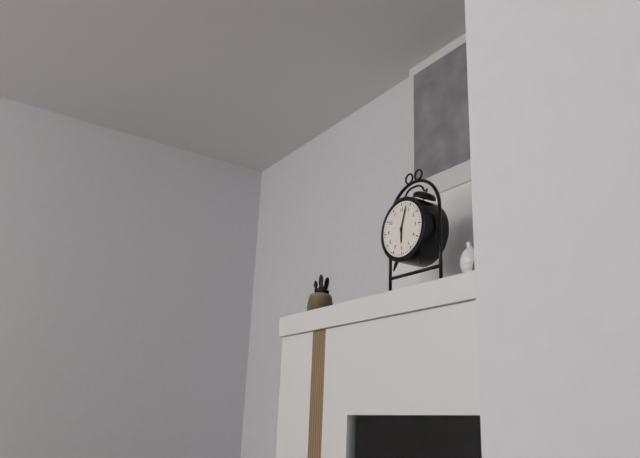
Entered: **6:03**
